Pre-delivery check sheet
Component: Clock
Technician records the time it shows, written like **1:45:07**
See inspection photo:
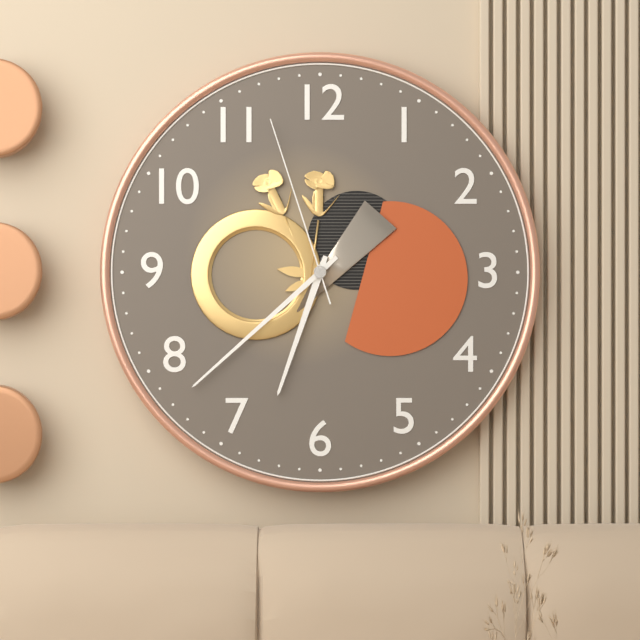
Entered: **6:38:57**
